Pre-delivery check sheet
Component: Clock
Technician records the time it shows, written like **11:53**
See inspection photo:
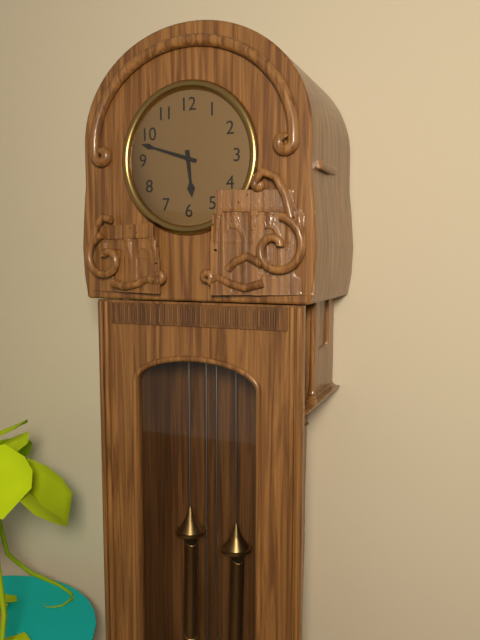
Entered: **5:48**
